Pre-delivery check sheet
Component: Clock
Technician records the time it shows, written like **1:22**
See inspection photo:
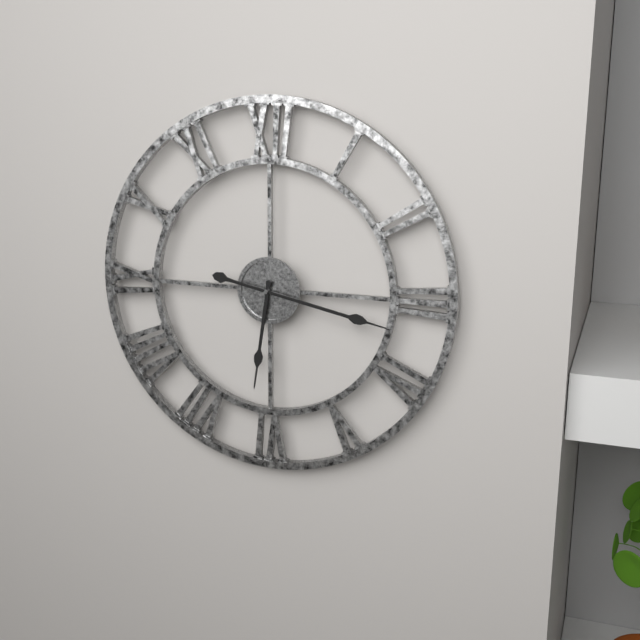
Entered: **6:17**
